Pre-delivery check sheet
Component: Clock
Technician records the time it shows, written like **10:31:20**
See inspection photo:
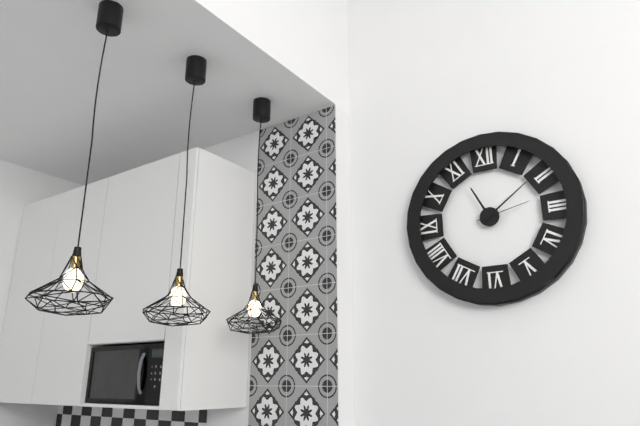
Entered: **11:09:13**
